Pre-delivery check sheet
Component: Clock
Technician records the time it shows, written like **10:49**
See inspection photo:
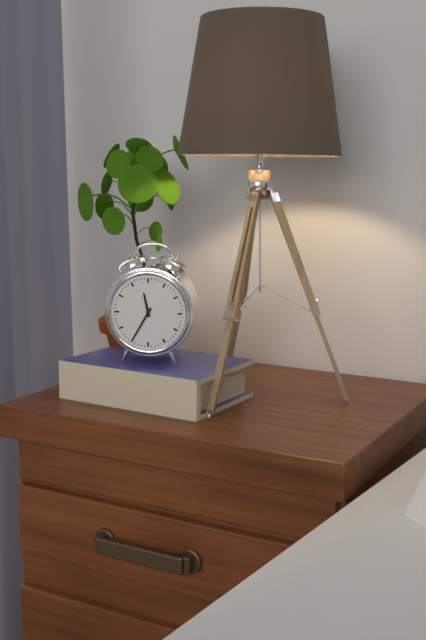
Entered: **11:35**
